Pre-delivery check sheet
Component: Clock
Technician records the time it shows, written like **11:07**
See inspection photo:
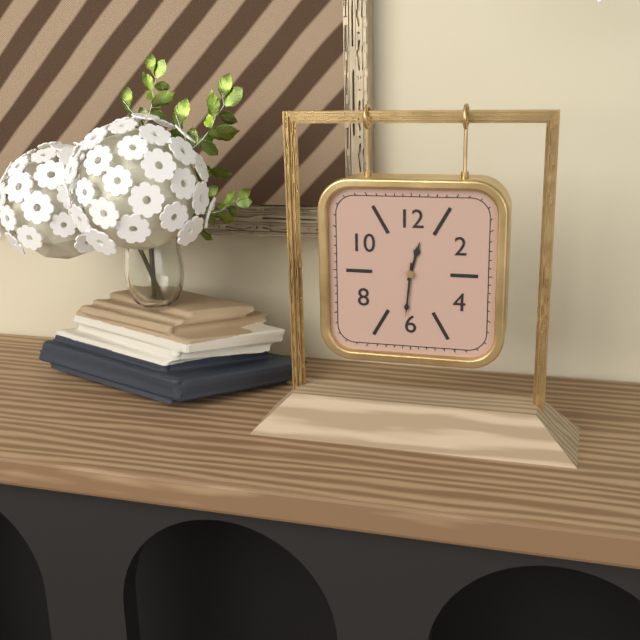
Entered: **12:31**
